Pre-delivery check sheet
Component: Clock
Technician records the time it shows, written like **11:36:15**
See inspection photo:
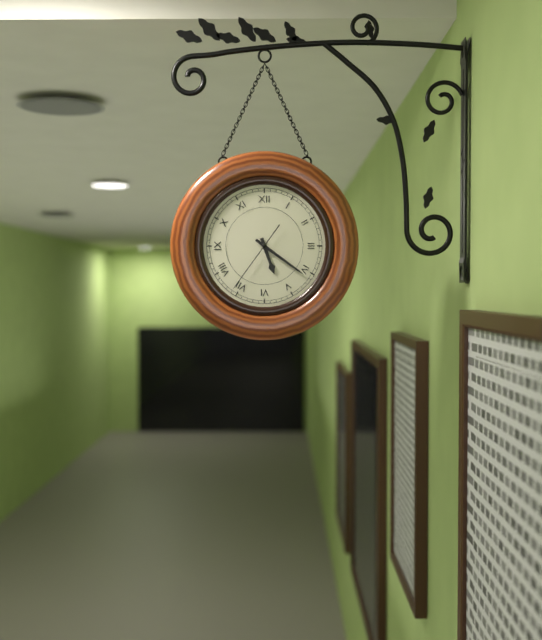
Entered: **5:21:36**
